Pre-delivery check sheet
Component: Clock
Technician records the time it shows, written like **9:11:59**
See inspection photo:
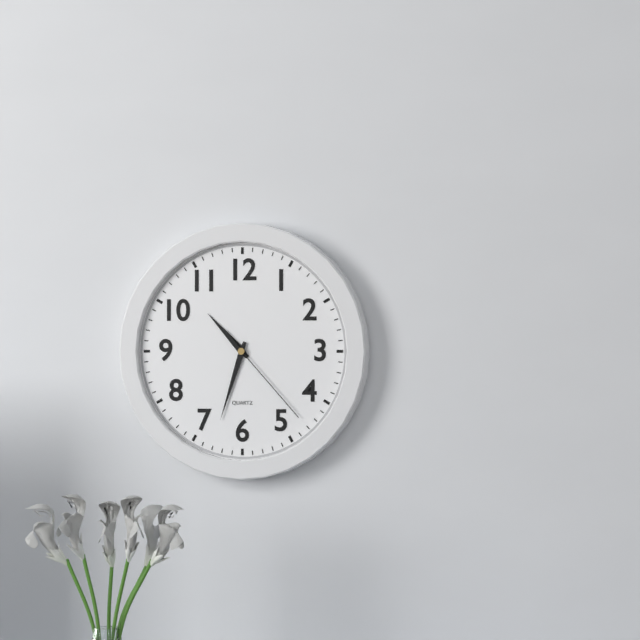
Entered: **10:33:23**
